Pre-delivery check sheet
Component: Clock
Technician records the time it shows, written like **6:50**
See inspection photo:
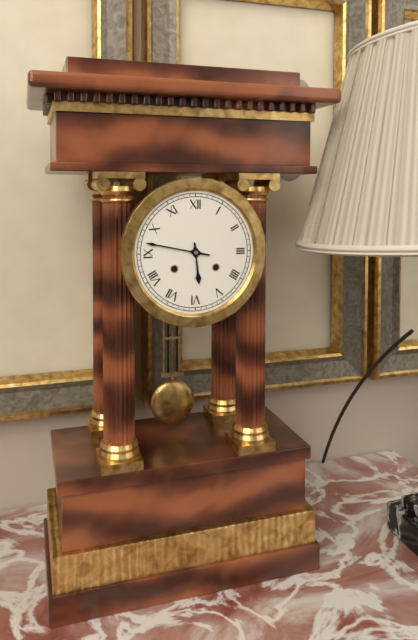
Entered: **5:47**
